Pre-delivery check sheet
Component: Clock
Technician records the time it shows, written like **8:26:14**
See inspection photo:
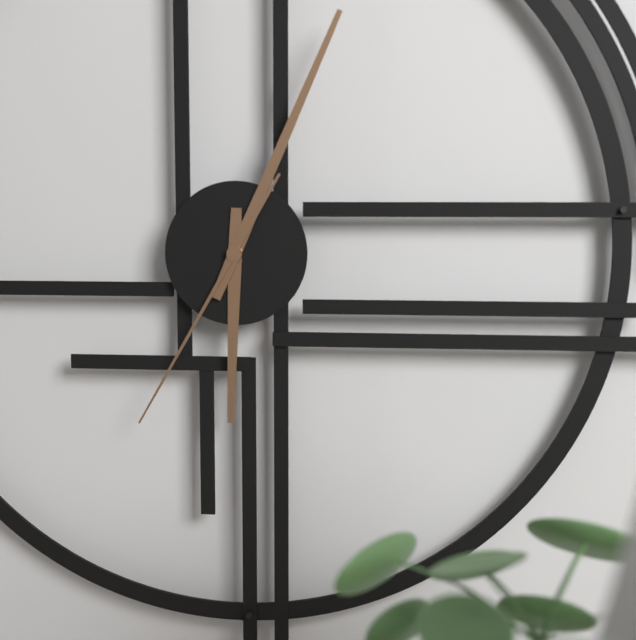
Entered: **6:04:35**
